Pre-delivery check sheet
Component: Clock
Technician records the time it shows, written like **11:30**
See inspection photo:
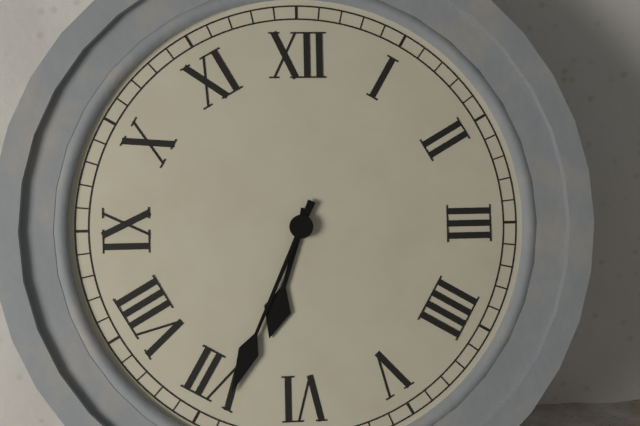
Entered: **6:34**
